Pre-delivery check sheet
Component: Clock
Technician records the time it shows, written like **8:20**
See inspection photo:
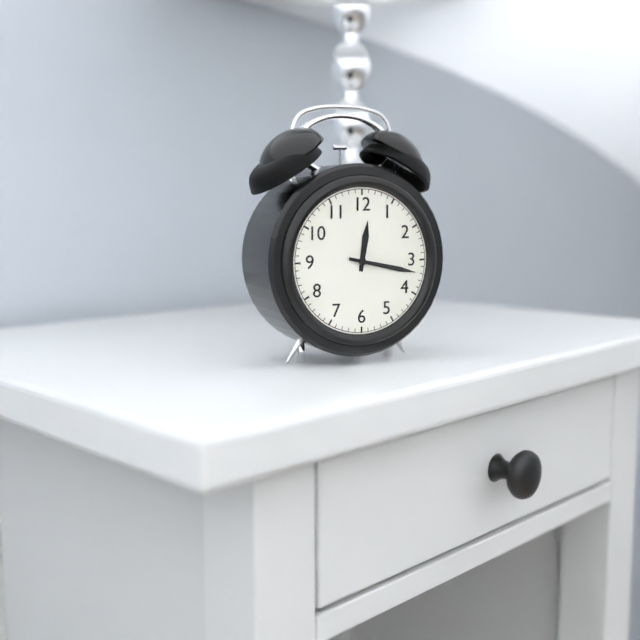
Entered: **12:17**
